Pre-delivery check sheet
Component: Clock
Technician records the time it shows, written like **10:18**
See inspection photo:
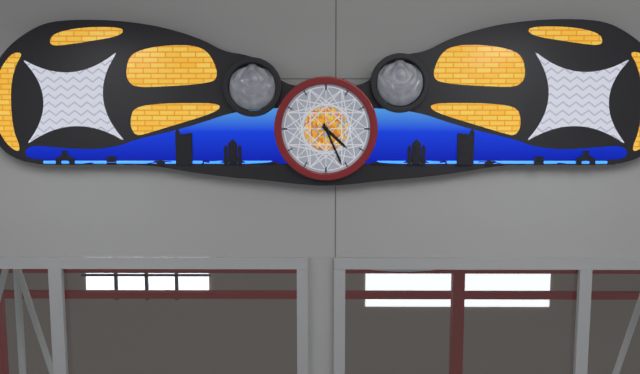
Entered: **4:26**
